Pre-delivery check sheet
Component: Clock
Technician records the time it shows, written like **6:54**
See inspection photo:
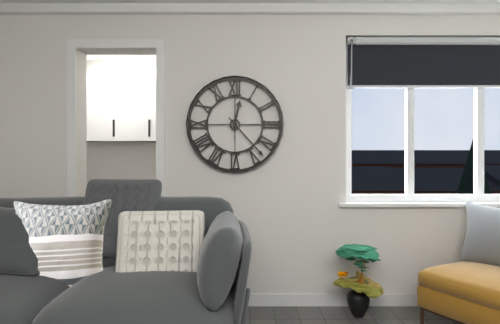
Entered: **12:23**
